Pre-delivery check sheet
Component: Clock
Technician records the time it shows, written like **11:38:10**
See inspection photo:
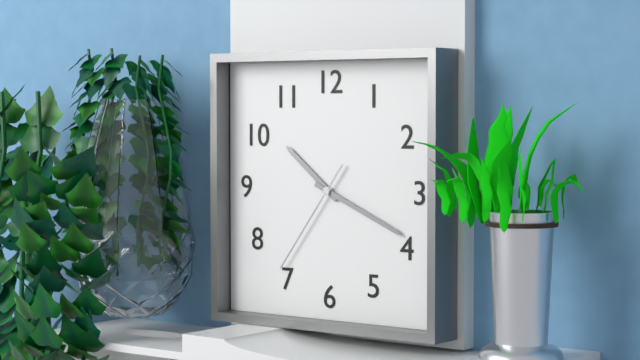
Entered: **10:19:36**
